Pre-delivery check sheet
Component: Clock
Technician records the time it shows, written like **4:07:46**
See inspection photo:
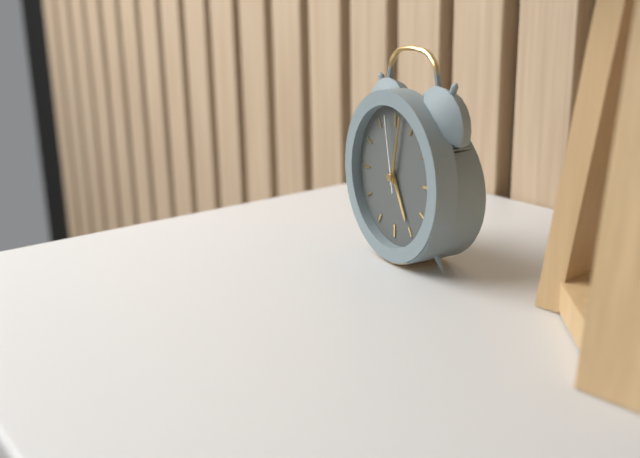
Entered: **5:02:58**
